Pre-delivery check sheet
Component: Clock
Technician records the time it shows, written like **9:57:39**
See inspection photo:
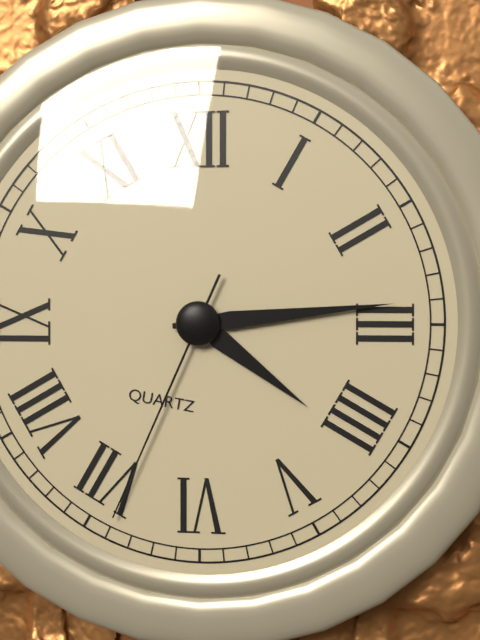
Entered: **4:14:34**
